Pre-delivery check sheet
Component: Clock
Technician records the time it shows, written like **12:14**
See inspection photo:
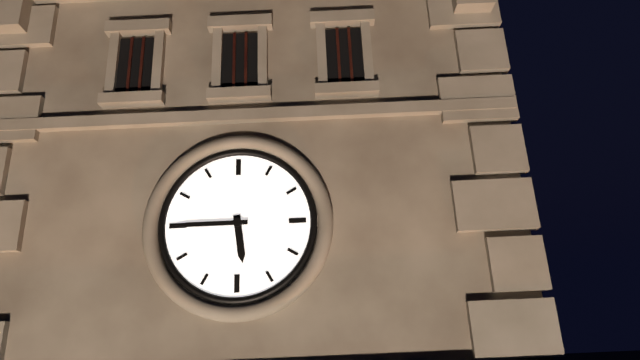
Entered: **5:45**
